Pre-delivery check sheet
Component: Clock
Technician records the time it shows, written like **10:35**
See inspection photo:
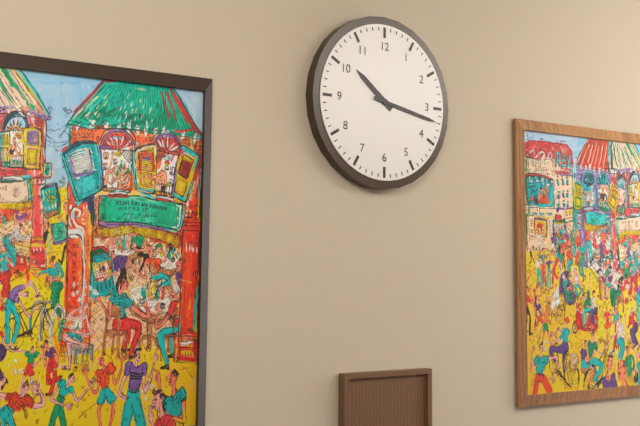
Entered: **10:17**
